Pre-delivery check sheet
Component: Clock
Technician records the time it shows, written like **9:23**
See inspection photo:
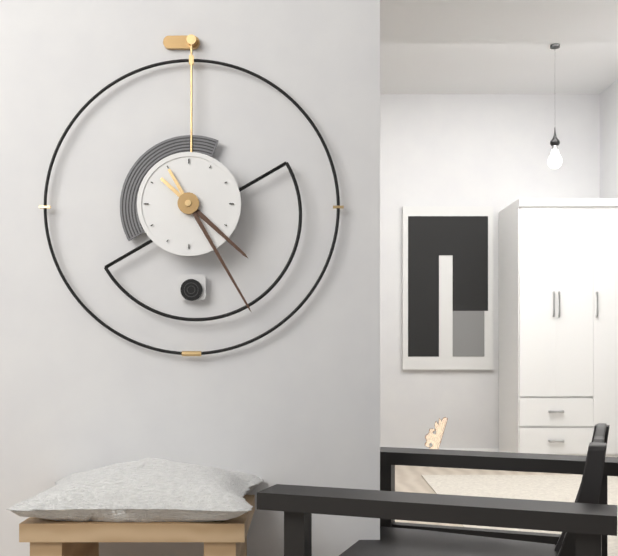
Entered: **4:25**
